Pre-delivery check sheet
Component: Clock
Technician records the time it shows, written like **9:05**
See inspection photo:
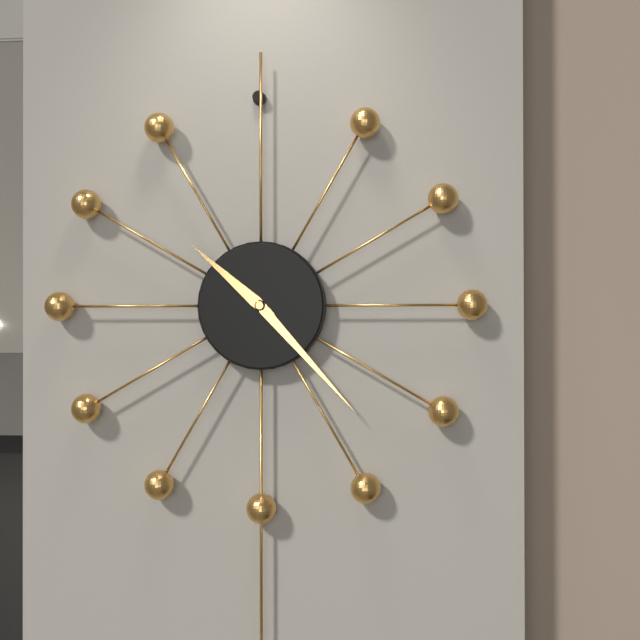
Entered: **10:23**
